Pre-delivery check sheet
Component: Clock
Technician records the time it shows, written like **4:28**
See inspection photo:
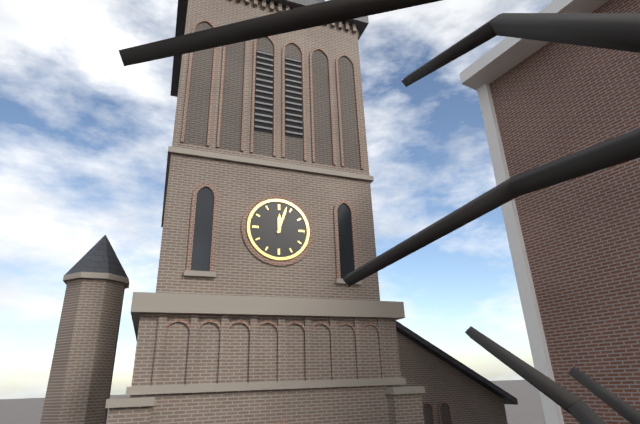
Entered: **12:03**
